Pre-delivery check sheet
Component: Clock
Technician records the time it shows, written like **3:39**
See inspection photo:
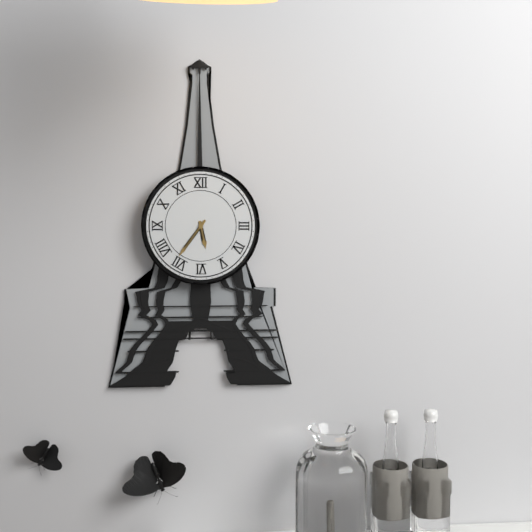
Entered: **5:36**
